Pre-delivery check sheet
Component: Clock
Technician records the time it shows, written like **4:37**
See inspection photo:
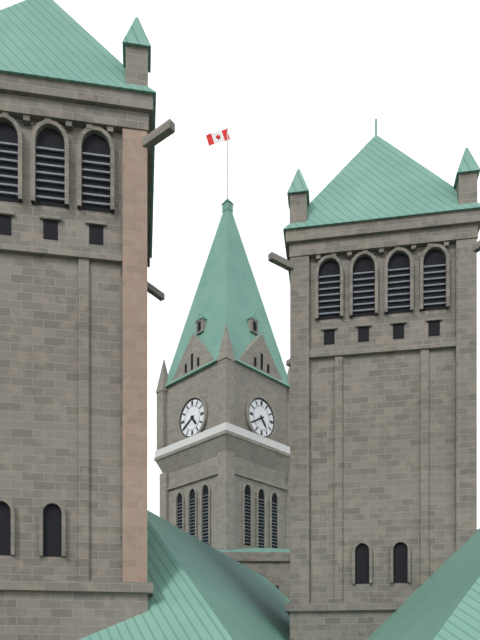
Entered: **4:40**
